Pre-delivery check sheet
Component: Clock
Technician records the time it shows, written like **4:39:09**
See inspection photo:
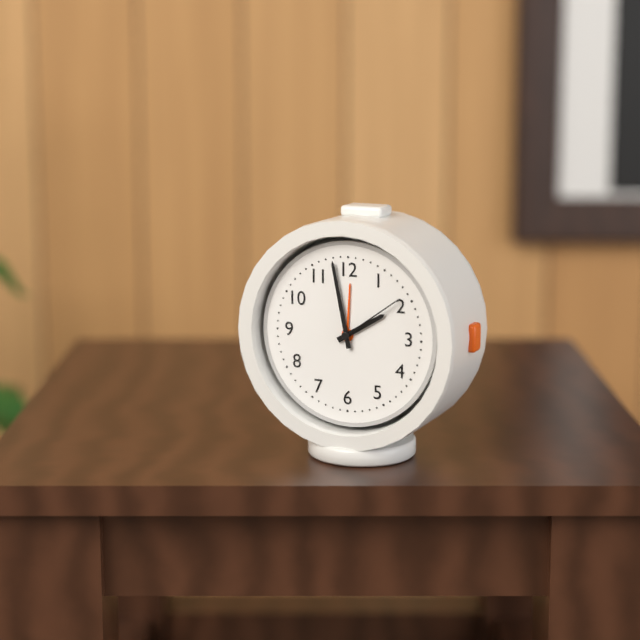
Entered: **1:58:09**
